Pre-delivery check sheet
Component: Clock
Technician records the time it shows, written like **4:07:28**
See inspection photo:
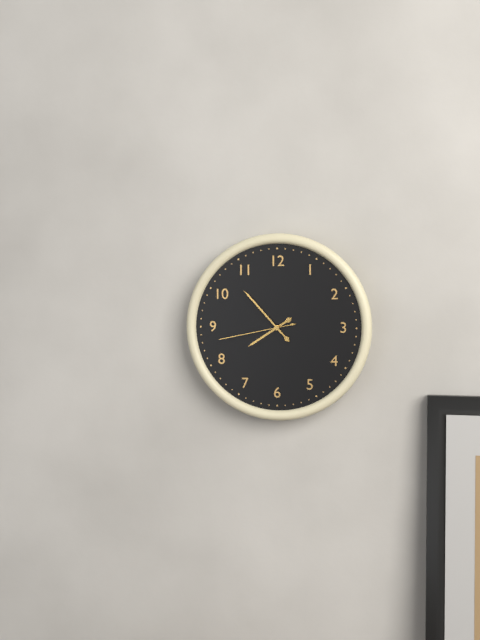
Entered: **7:53:43**
